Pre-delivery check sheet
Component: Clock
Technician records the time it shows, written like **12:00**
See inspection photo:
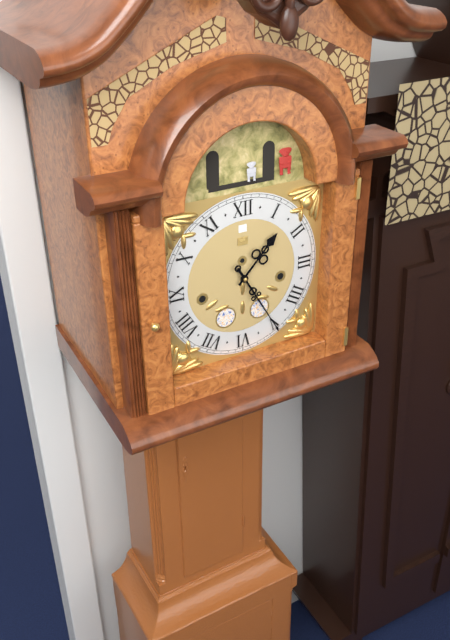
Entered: **1:25**
